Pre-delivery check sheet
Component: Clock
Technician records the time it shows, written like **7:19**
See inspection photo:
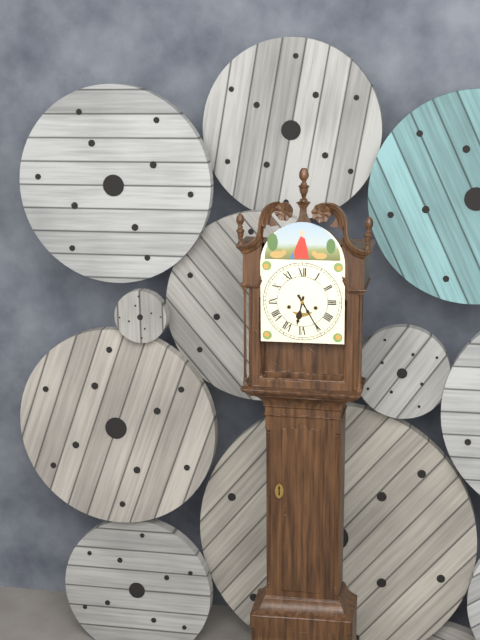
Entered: **6:25**
